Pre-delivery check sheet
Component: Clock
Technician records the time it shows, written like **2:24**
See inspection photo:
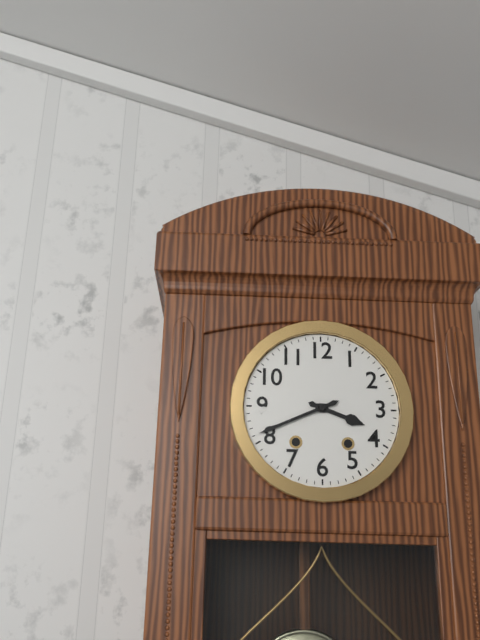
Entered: **3:41**
